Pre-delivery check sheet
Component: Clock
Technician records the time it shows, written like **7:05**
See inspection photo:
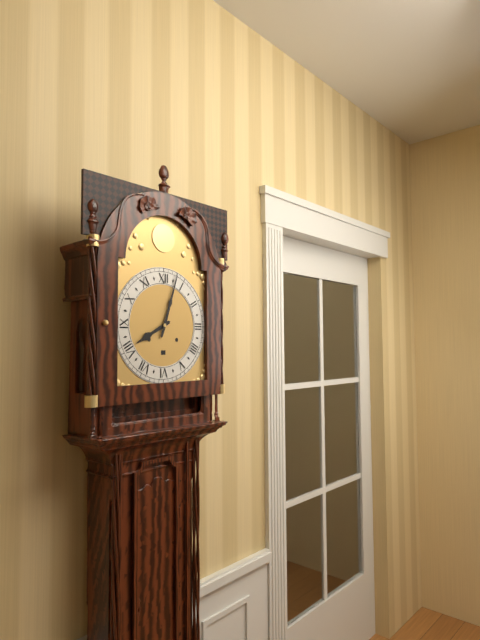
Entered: **8:03**
